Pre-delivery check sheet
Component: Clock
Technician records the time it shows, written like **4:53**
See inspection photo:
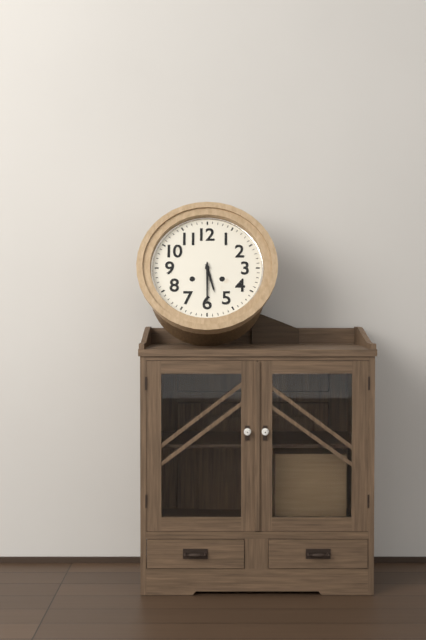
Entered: **5:30**
